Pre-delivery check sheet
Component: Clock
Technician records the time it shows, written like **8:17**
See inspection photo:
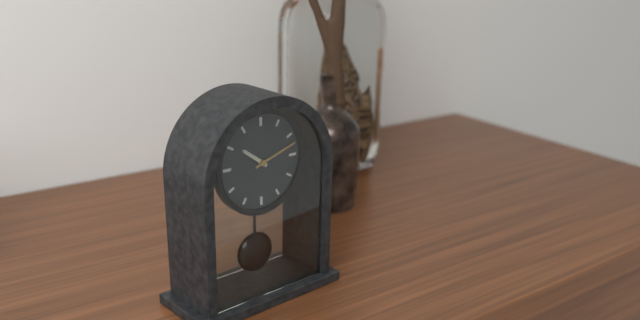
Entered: **10:12**
